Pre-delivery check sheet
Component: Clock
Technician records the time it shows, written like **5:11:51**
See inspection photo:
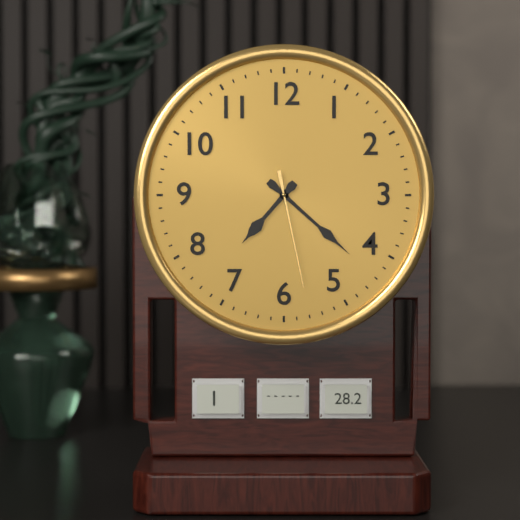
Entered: **7:22:28**
